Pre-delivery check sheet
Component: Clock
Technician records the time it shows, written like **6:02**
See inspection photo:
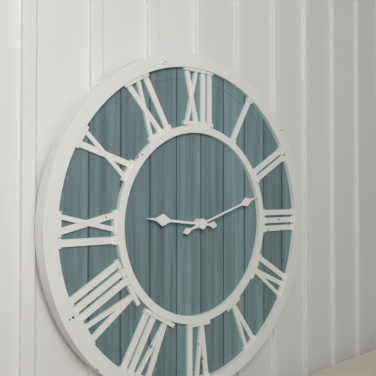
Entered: **9:12**
